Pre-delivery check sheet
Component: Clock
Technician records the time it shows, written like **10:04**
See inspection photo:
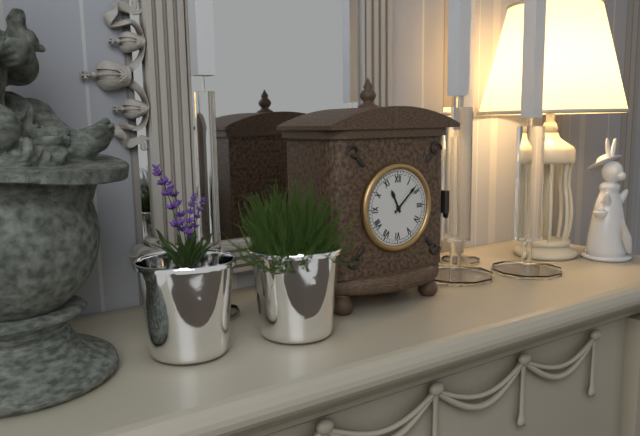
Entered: **11:08**
